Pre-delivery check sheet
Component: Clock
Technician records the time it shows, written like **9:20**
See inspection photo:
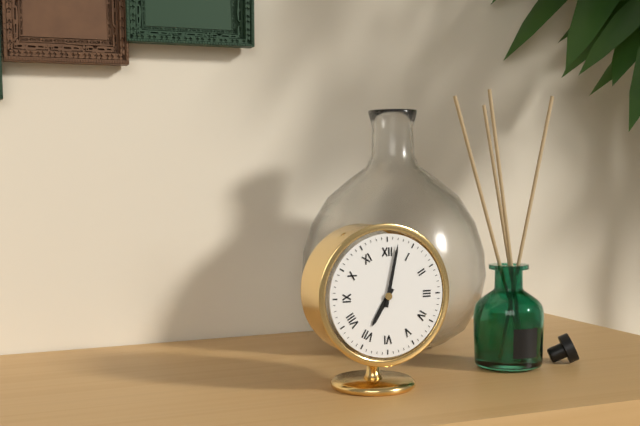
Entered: **7:02**
